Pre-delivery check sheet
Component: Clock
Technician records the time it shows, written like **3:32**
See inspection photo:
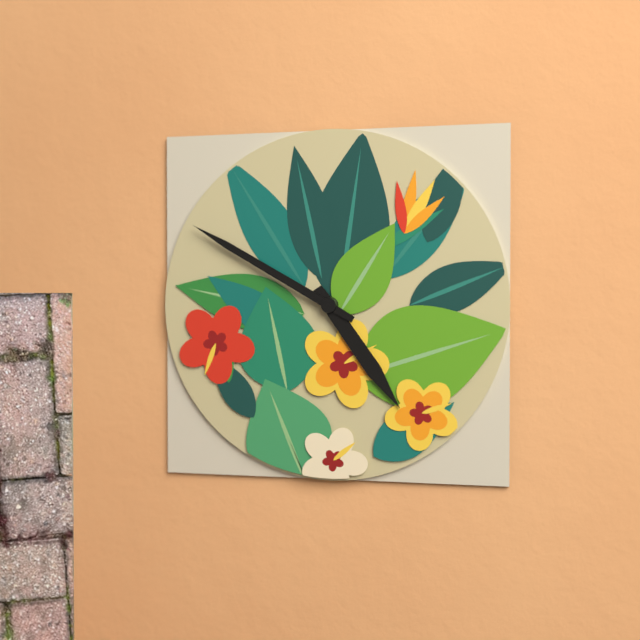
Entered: **4:50**
